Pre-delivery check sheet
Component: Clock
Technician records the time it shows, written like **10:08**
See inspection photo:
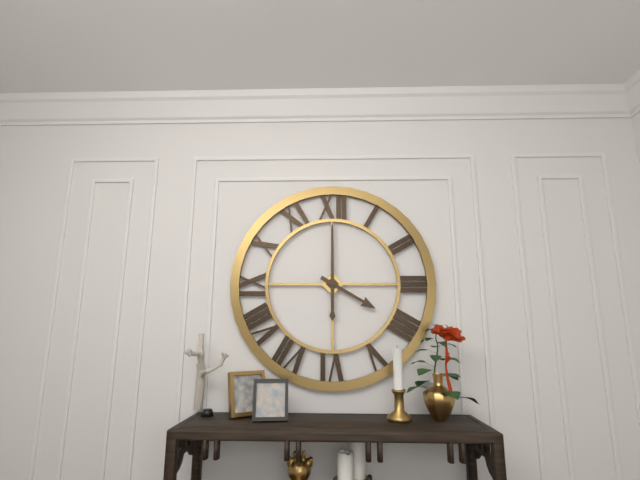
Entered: **4:00**
